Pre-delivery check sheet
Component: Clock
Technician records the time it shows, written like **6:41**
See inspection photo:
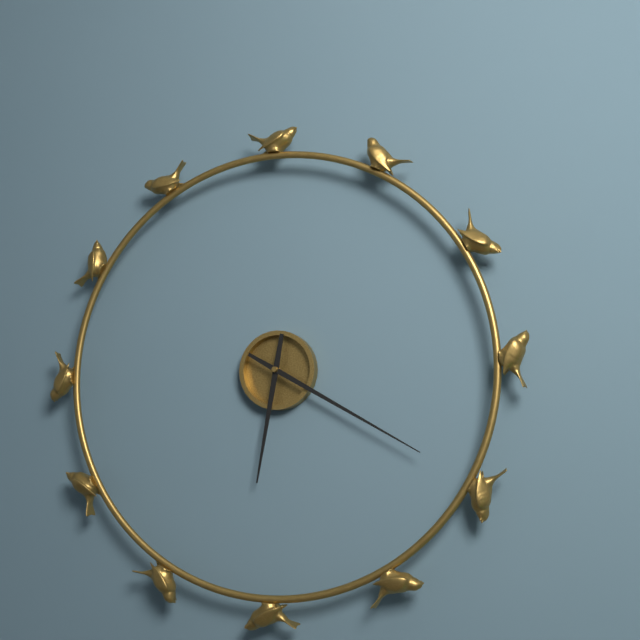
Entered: **6:20**
